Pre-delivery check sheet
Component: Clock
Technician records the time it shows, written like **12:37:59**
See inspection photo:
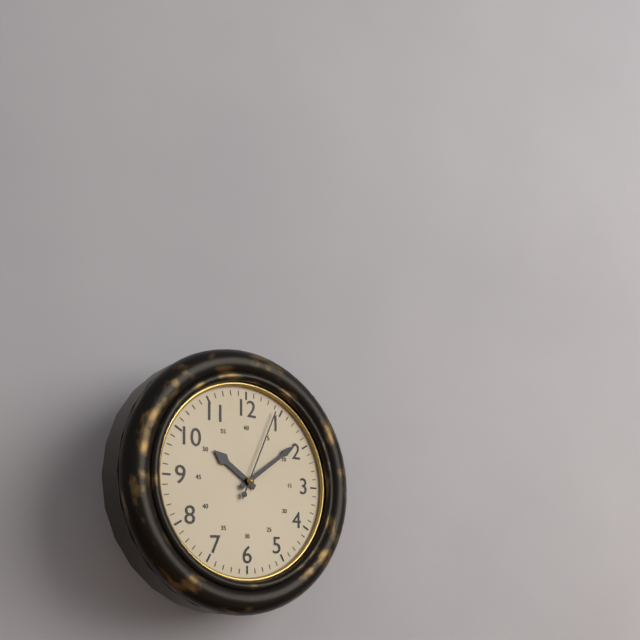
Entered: **10:09:04**
